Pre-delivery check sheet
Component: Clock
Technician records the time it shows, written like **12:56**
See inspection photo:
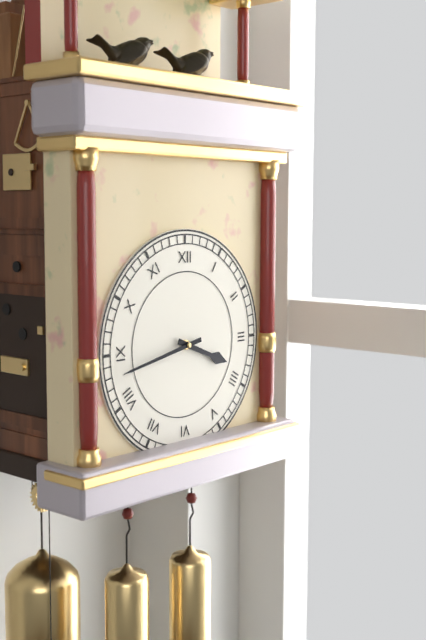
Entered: **3:43**
